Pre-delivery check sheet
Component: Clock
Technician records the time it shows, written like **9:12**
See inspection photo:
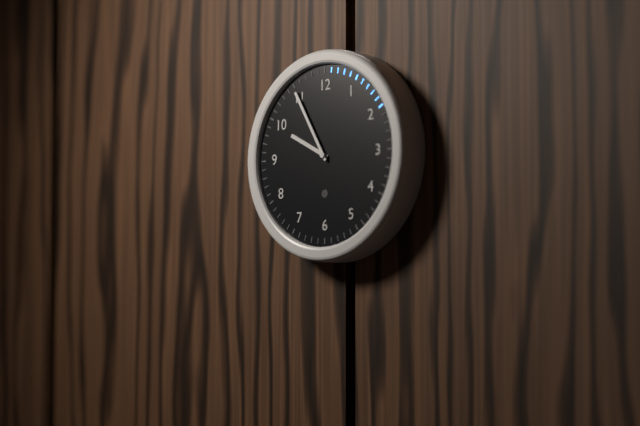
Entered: **9:55**
